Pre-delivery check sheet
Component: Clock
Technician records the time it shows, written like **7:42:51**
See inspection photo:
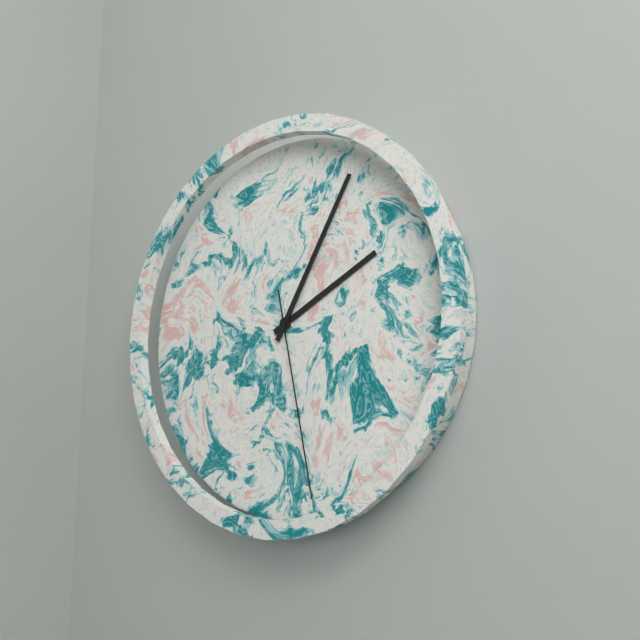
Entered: **2:05:28**
